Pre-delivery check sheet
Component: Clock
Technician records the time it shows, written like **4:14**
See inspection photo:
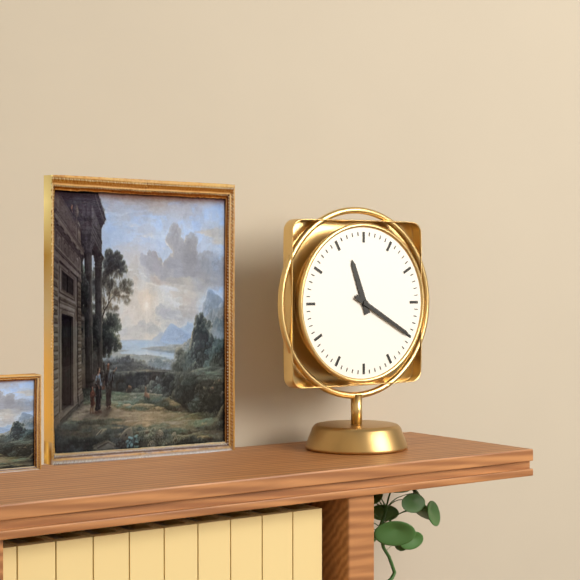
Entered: **11:20**
